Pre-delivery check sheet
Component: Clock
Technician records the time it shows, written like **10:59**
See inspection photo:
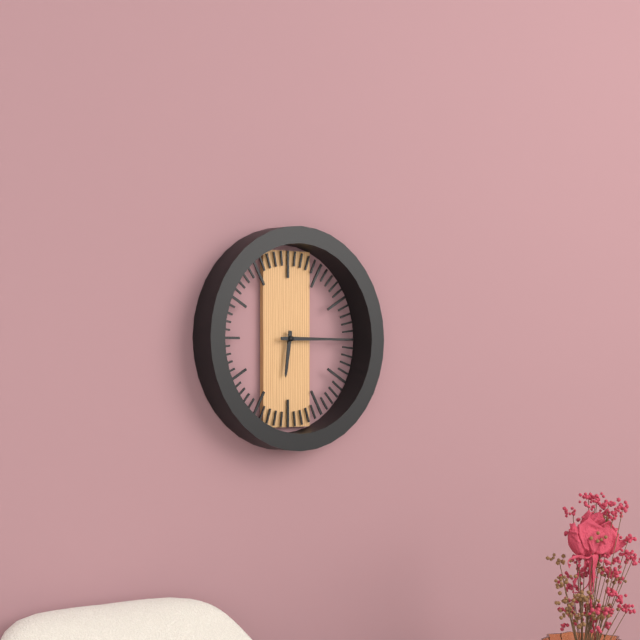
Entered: **6:15**
